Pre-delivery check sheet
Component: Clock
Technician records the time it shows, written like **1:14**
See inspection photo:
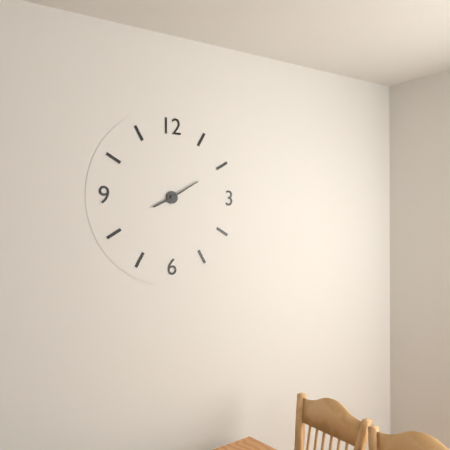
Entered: **8:10**
